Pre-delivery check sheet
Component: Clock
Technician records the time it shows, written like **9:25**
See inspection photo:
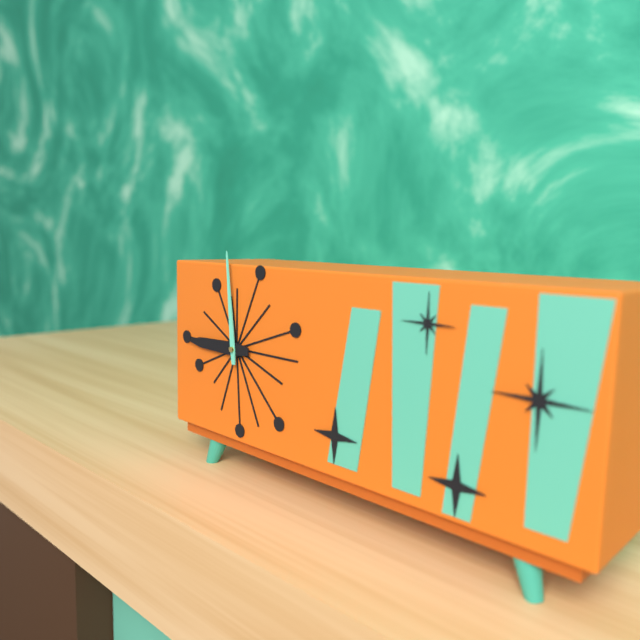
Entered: **8:59**
